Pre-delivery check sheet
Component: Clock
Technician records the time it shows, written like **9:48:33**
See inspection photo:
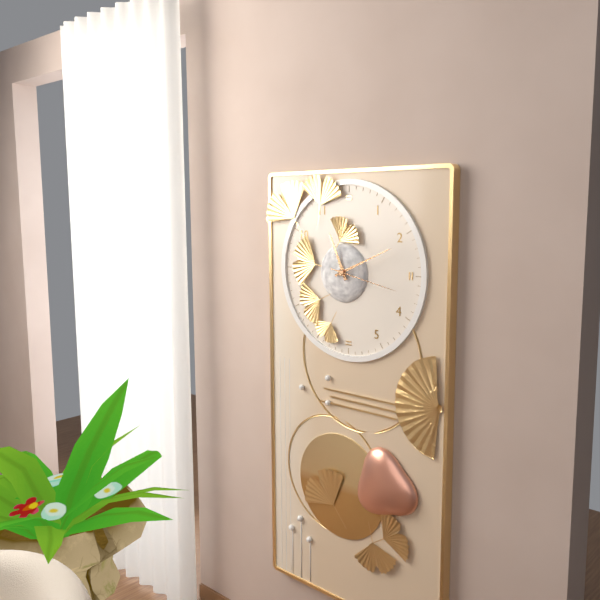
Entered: **11:11:17**
